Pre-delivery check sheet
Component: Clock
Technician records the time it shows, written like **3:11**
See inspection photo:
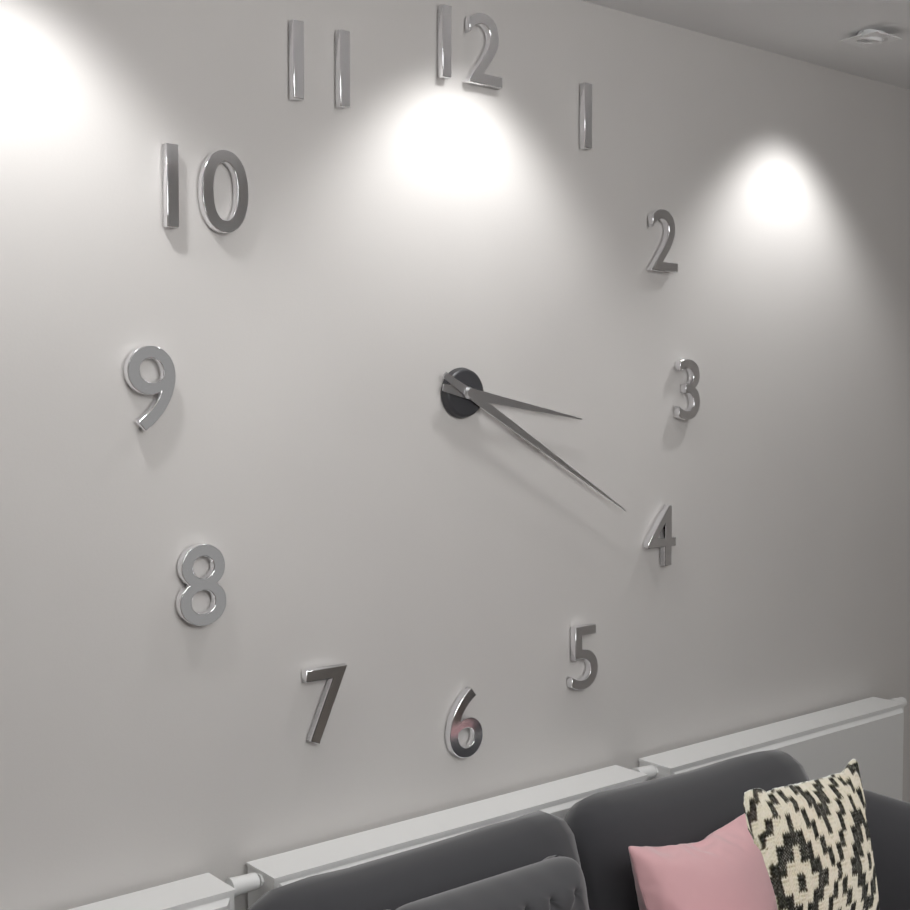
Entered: **3:20**
